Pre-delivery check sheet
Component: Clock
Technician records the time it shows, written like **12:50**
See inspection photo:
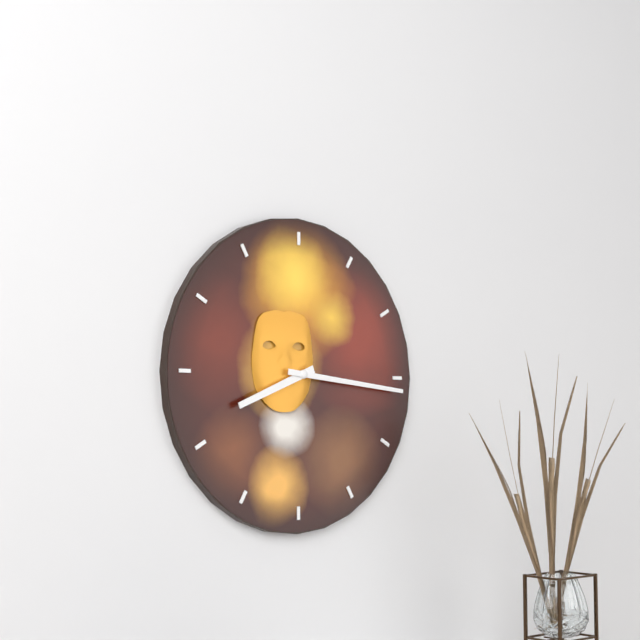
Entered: **8:16**
